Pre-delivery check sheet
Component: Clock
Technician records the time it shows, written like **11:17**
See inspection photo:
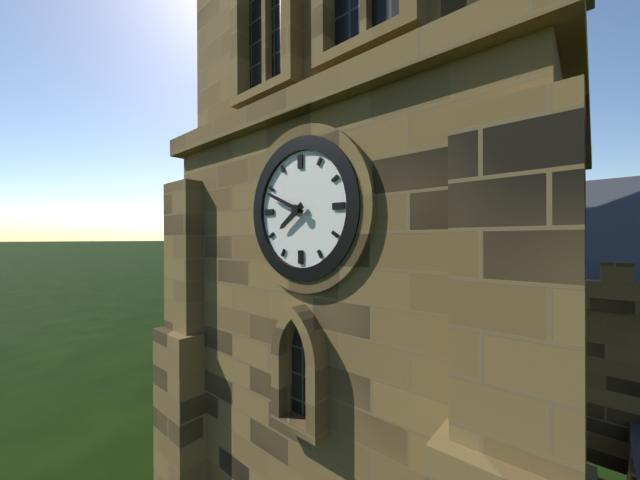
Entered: **7:49**
